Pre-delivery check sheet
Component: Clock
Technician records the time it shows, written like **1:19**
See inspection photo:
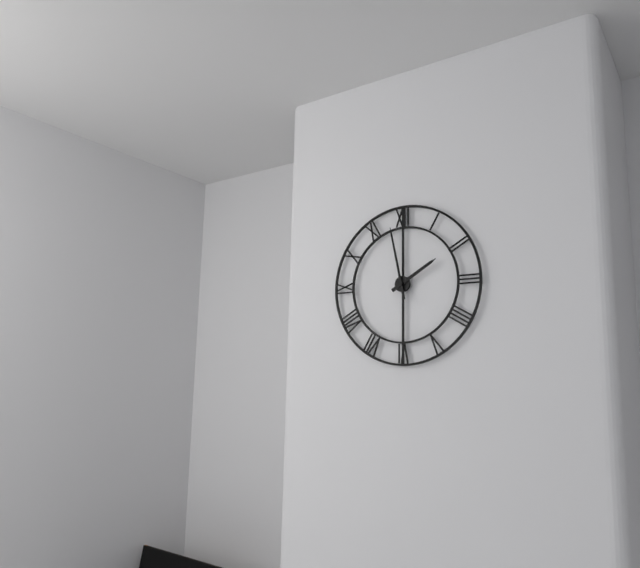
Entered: **1:58**
